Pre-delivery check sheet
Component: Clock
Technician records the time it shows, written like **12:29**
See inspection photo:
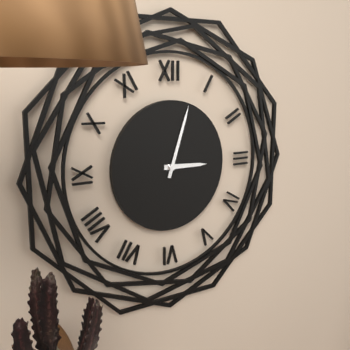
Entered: **3:03**
